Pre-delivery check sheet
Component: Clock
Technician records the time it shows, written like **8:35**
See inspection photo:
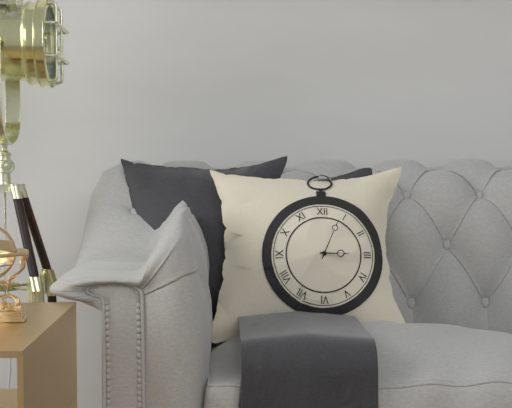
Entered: **3:04**
